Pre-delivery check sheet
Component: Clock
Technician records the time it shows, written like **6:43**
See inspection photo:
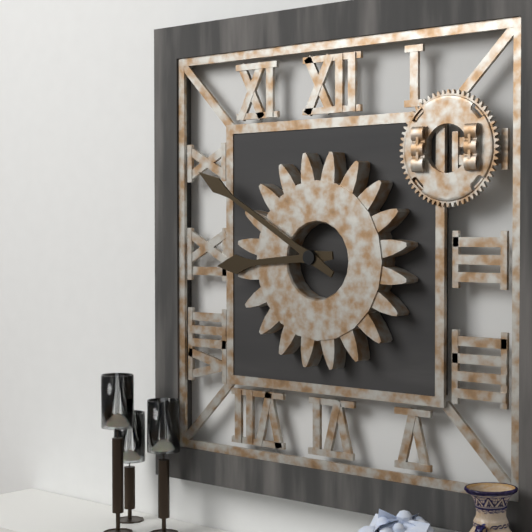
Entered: **8:50**
